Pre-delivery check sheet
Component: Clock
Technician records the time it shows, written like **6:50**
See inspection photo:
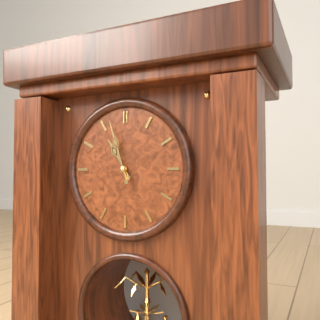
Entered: **10:57**
